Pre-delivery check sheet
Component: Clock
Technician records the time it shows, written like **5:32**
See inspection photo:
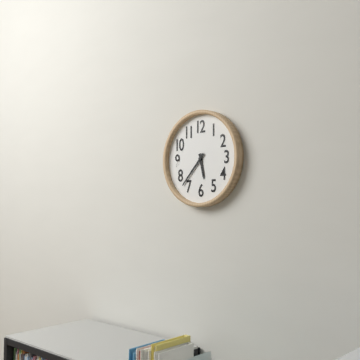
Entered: **5:37**
